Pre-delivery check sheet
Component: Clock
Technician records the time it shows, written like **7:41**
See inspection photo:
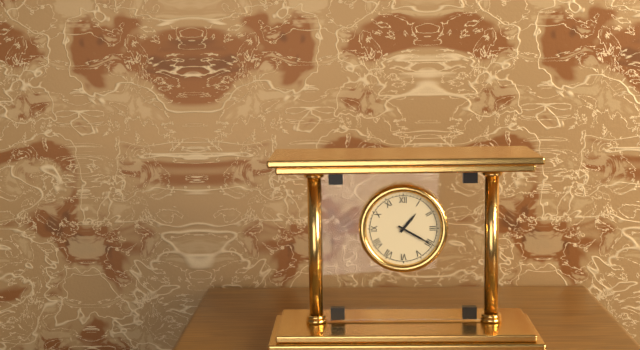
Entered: **1:20**
